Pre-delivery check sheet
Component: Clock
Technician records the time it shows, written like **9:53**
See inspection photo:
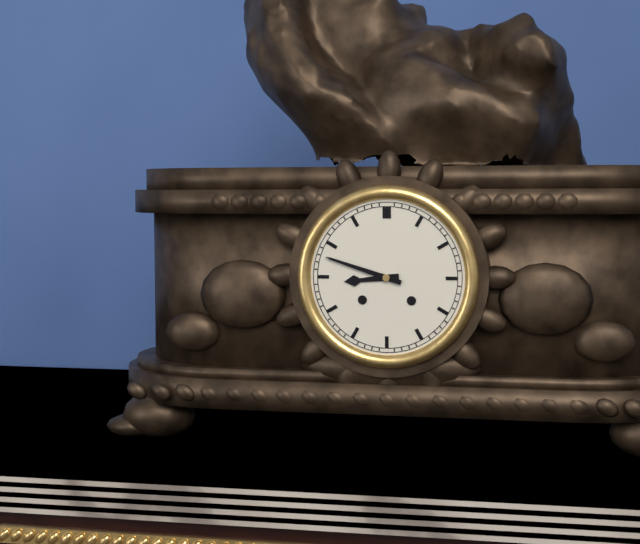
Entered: **8:48**
